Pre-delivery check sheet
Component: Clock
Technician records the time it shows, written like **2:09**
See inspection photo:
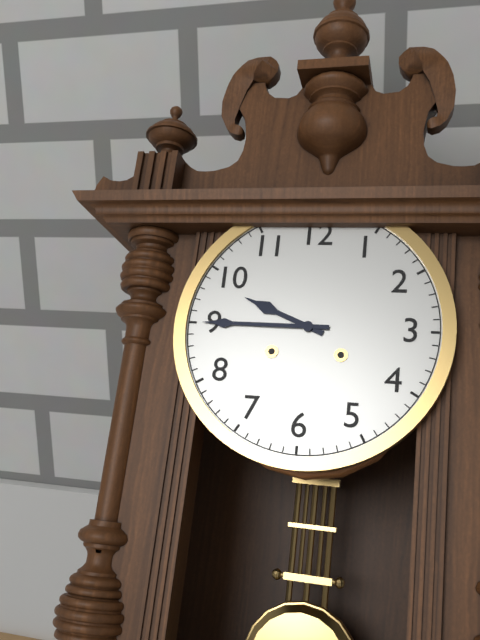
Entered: **9:45**
